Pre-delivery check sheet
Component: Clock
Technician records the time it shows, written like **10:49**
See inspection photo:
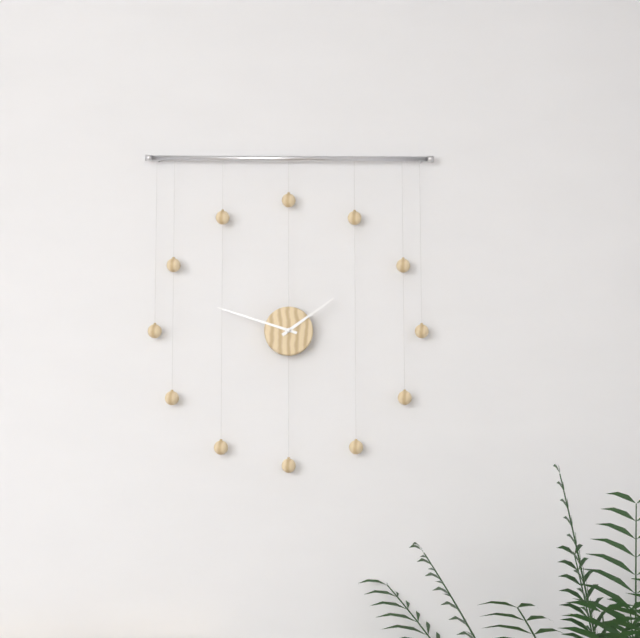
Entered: **1:48**
